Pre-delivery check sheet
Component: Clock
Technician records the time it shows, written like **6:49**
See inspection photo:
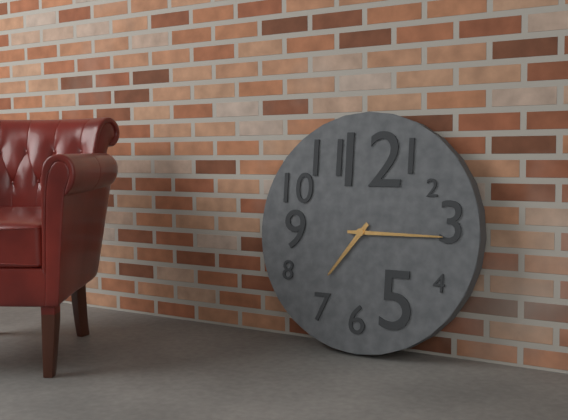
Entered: **7:15**
